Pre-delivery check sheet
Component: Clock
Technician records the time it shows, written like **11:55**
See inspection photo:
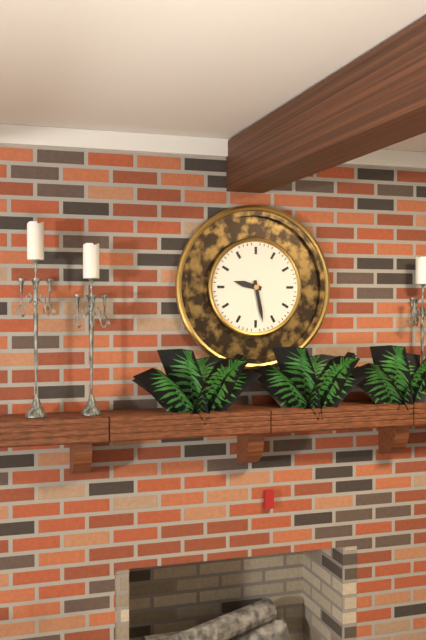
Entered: **9:28**
